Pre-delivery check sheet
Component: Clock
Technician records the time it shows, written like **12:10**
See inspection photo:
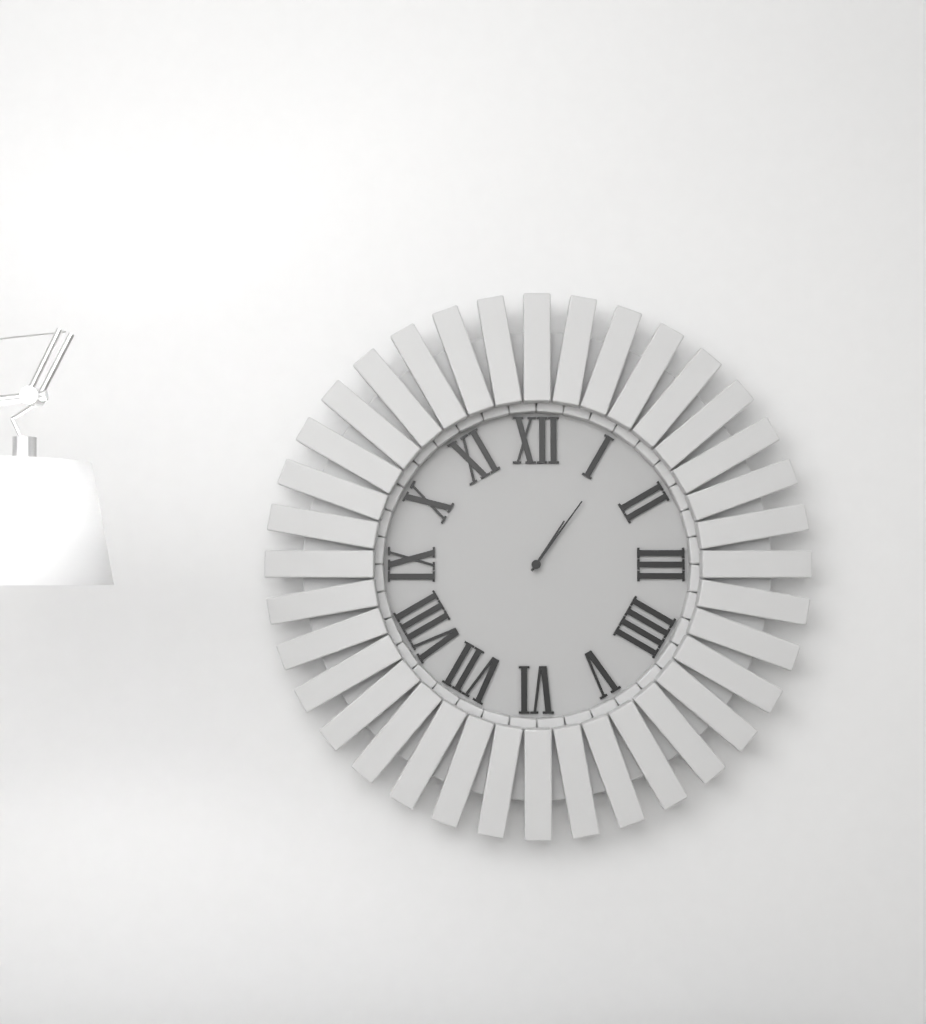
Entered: **1:06**
